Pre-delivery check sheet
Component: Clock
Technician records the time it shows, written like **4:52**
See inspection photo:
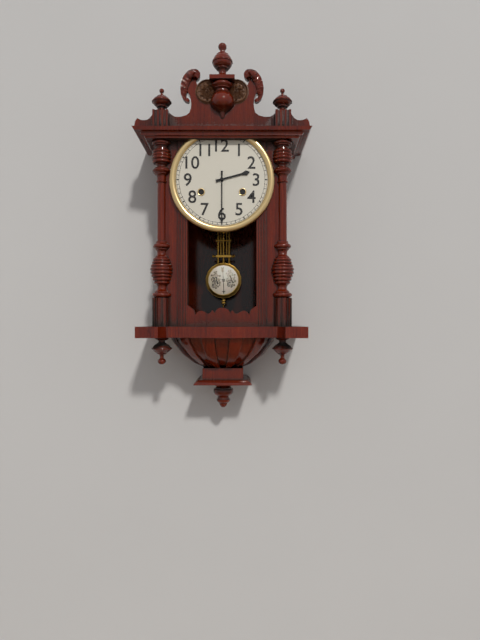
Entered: **2:30**
